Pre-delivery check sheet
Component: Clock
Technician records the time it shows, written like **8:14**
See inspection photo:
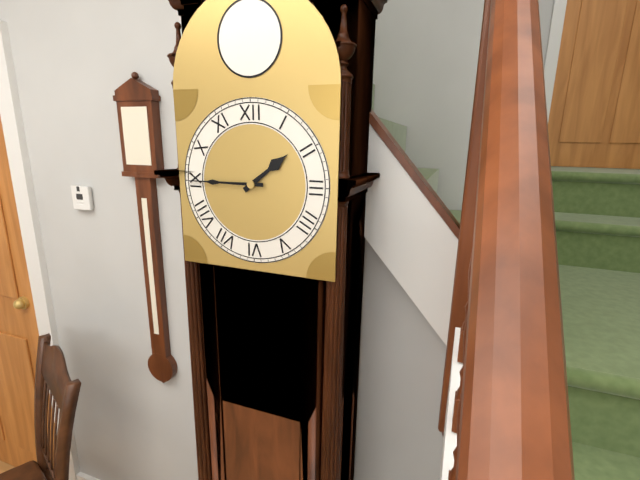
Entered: **1:45**
